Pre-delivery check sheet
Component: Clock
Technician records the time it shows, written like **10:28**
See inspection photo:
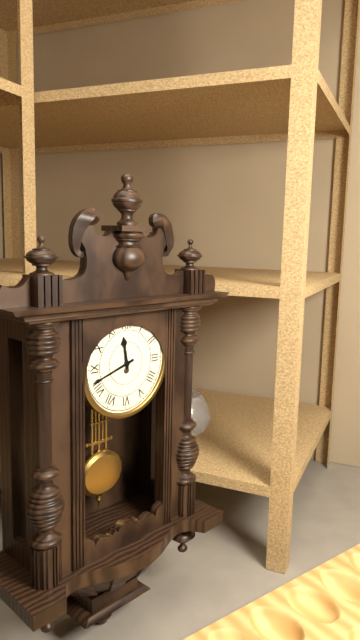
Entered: **11:42**
